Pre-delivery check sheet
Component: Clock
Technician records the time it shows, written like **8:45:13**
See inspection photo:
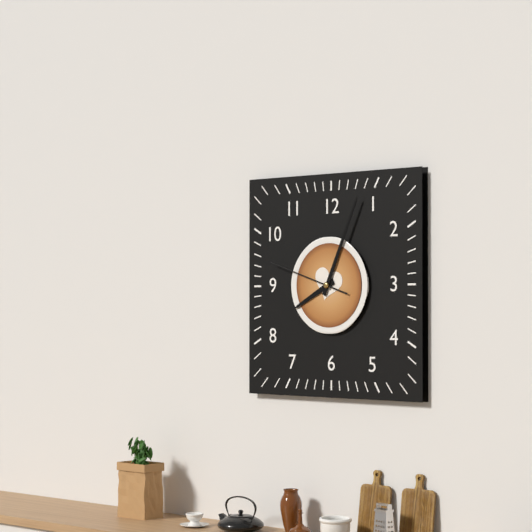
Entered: **8:04:48**
